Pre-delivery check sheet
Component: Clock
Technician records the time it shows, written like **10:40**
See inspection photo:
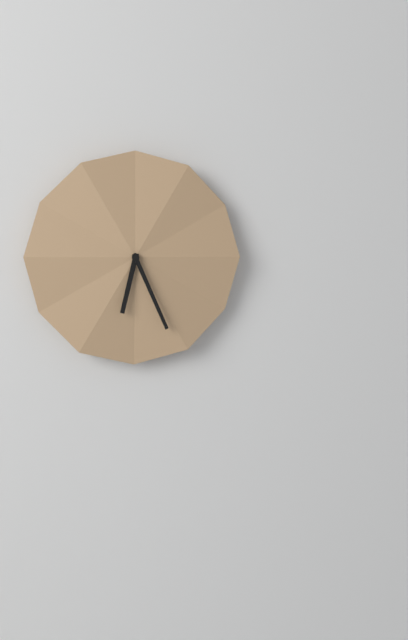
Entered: **6:26**
